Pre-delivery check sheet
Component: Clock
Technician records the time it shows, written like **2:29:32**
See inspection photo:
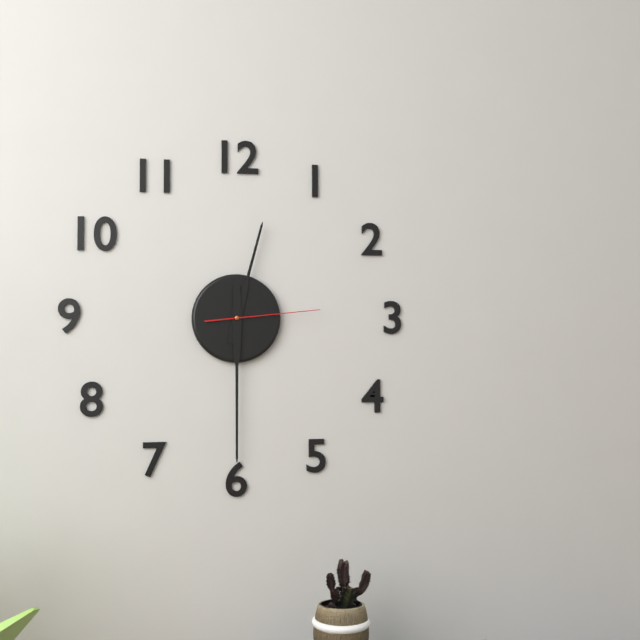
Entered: **12:30:14**
